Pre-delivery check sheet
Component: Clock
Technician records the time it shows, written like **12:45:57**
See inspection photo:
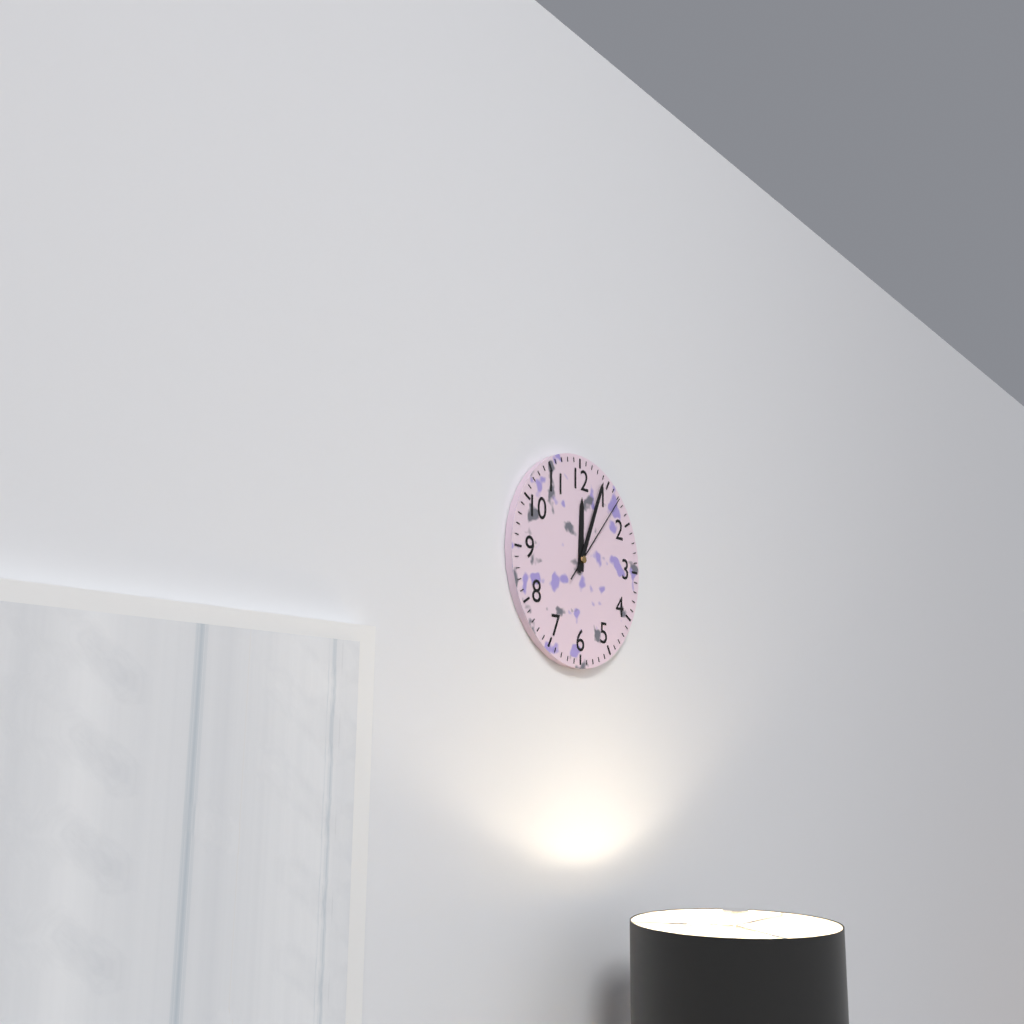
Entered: **12:04:07**
